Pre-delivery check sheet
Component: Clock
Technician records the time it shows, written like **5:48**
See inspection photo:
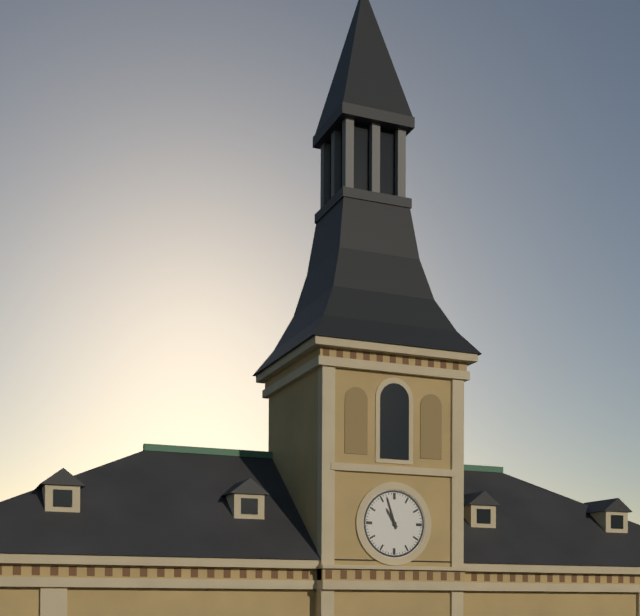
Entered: **10:57**
